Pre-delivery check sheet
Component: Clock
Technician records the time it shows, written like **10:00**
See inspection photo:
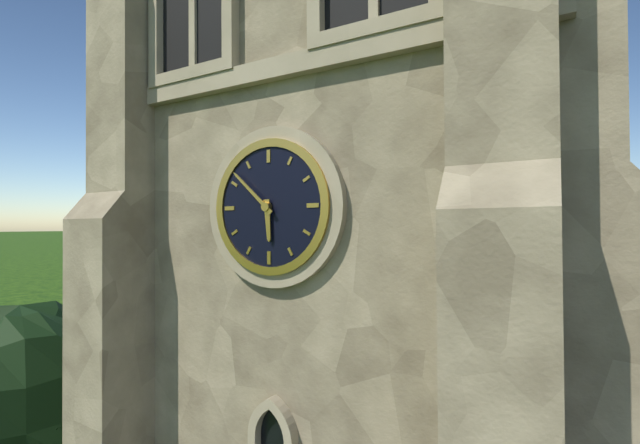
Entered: **5:52**
